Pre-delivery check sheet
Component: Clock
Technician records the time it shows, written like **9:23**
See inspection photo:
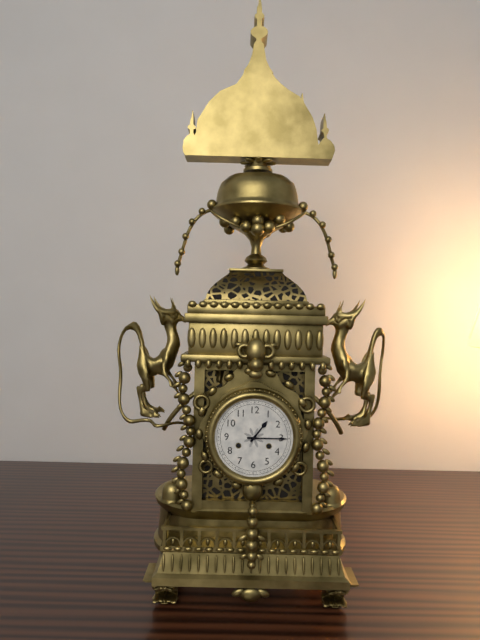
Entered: **1:15**
